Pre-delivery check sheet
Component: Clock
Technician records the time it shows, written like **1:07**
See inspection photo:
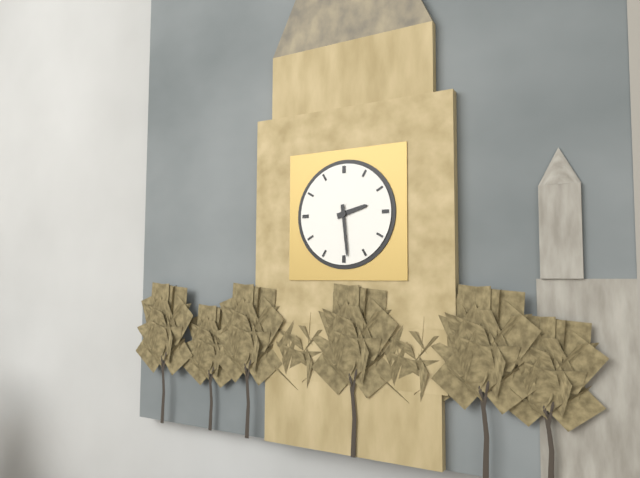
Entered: **2:29**
